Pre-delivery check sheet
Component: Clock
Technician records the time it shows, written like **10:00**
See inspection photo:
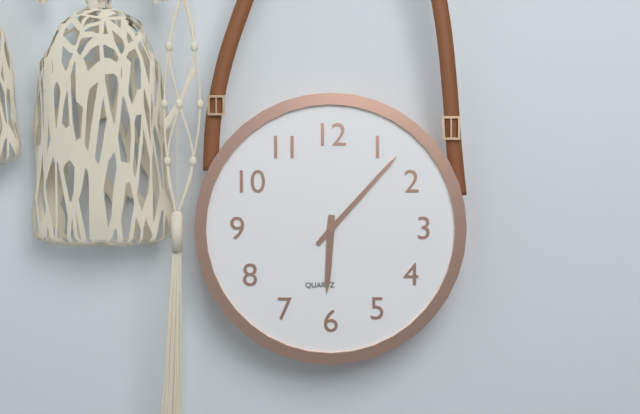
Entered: **6:07**
